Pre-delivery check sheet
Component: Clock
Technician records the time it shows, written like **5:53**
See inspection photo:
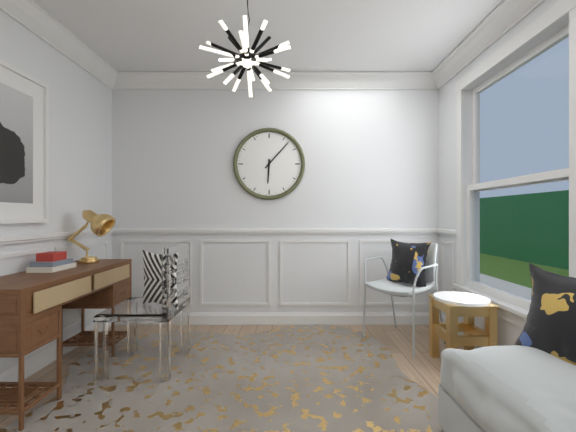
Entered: **6:07**
